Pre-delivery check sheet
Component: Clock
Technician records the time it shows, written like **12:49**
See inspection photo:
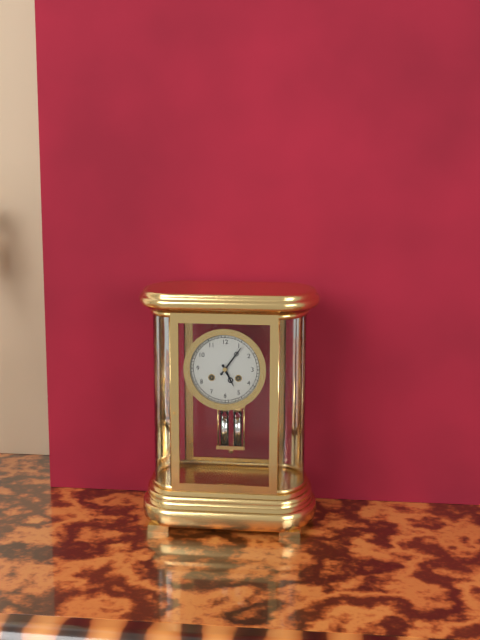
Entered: **5:06**
